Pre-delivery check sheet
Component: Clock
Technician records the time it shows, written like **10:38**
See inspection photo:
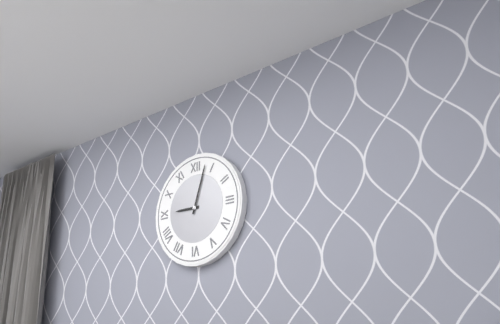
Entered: **9:03**
